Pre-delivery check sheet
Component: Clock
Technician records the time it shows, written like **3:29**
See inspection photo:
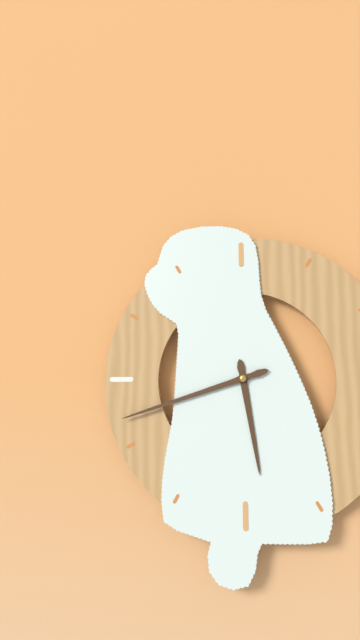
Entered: **5:42**
